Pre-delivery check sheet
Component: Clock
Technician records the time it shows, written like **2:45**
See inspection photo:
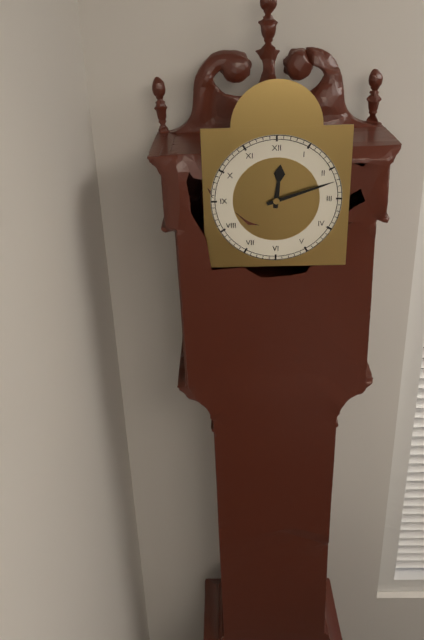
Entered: **12:12**
